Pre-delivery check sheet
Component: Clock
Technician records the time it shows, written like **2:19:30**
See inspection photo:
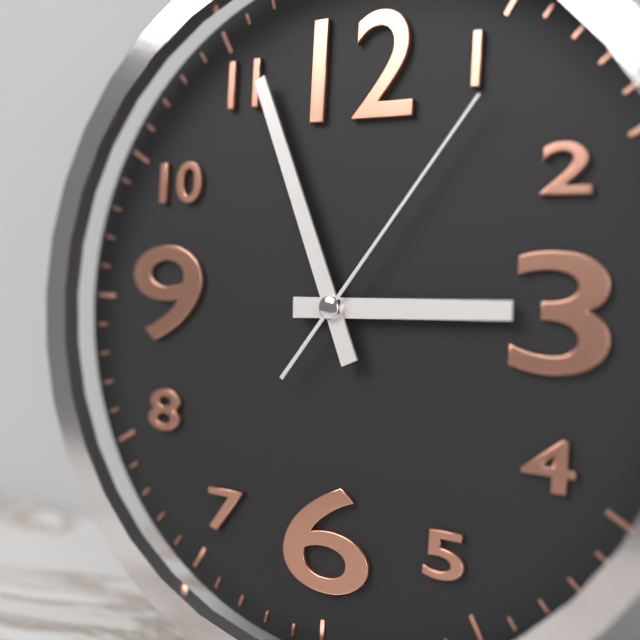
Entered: **2:56:06**
